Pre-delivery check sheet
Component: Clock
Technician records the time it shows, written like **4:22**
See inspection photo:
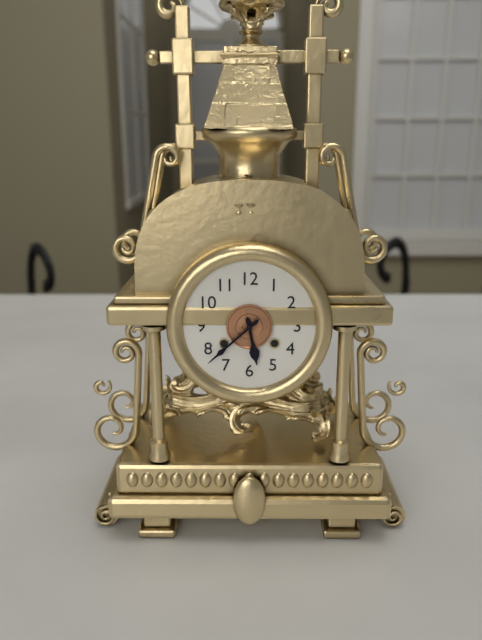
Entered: **5:38**
